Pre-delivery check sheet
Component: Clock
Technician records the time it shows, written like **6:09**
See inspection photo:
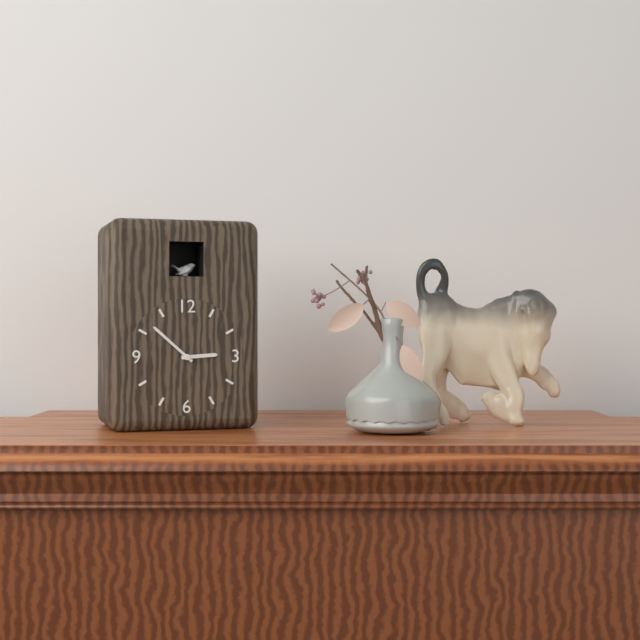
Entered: **2:52**
